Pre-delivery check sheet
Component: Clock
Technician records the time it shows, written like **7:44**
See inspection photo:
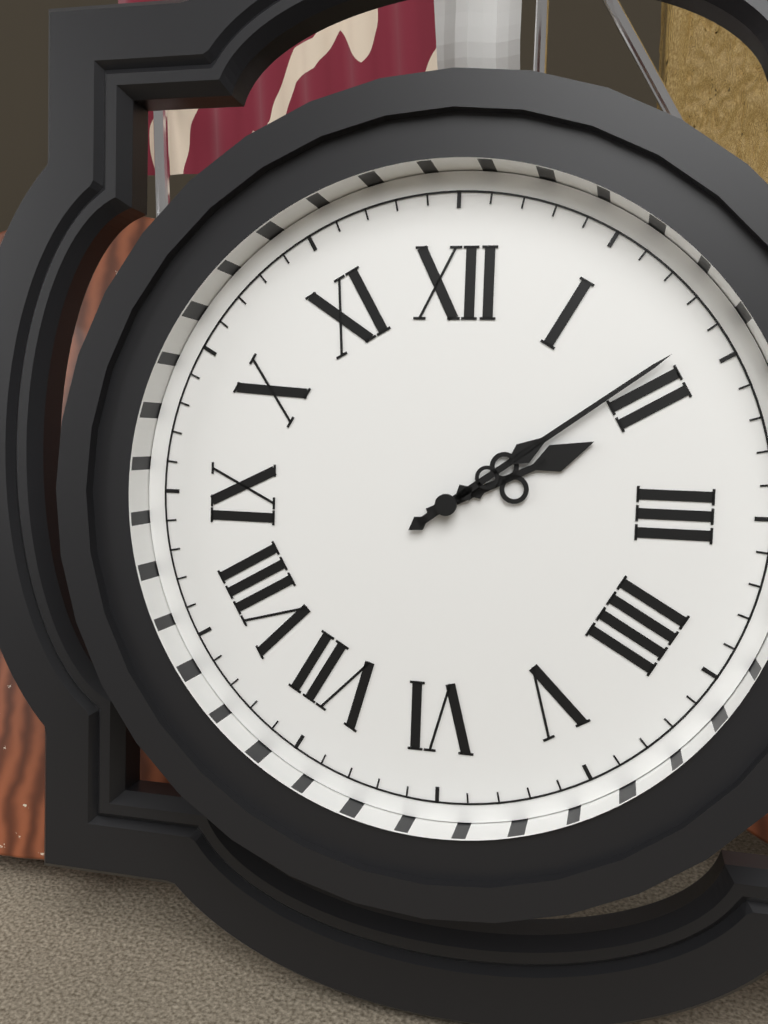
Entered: **2:09**
